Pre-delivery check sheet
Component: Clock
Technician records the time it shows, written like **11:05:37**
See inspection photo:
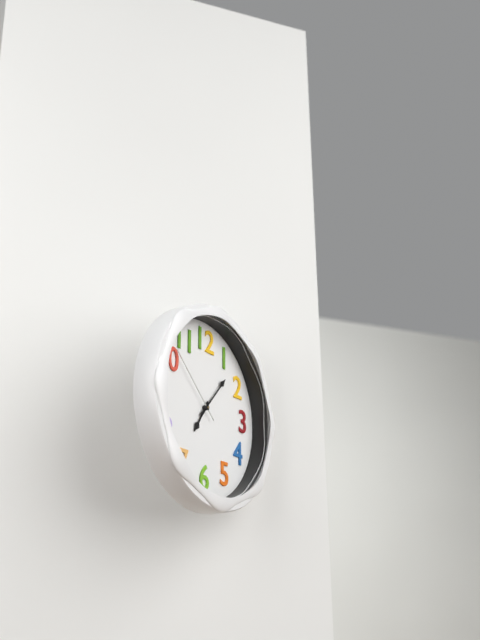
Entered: **7:07:52**
